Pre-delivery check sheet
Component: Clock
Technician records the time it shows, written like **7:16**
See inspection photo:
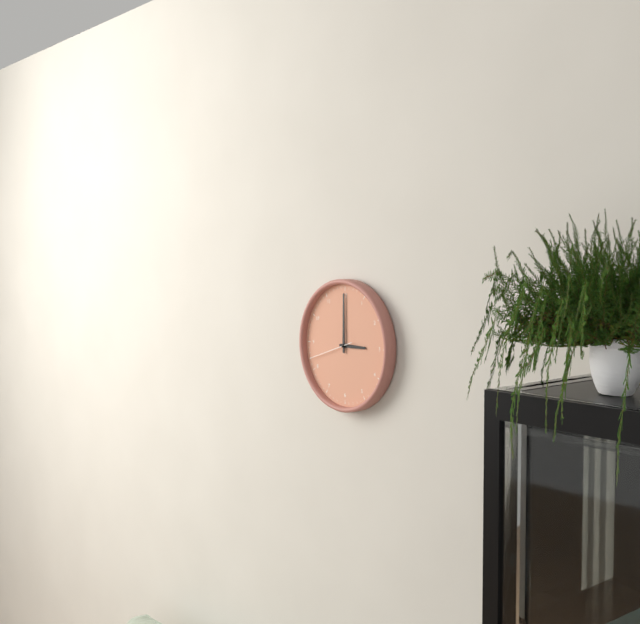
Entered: **3:00**
